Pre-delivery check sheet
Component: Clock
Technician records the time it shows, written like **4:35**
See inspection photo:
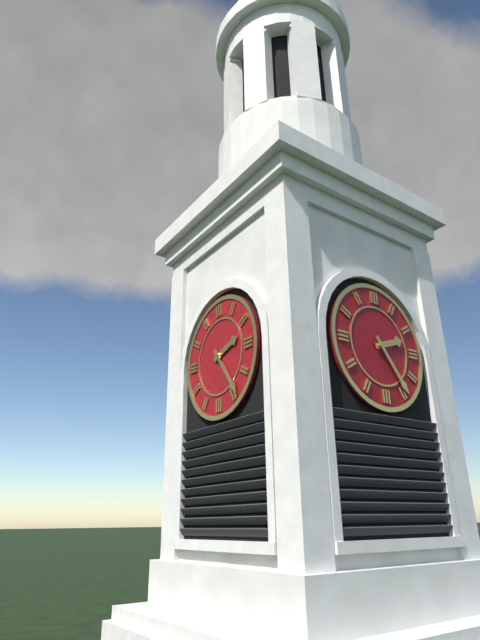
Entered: **2:24**
